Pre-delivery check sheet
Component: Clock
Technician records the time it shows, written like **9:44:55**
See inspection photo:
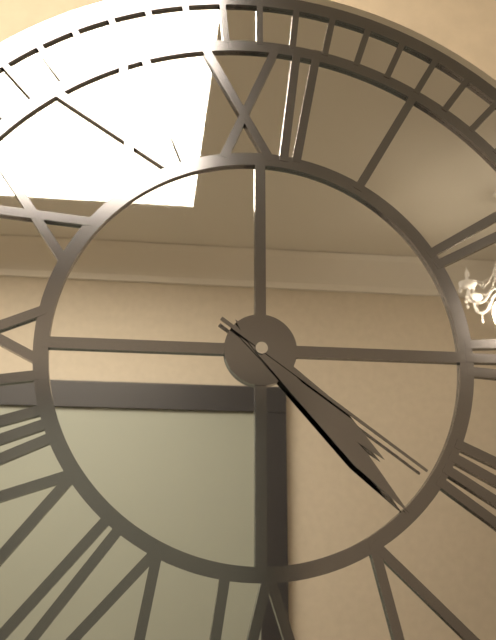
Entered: **4:23:21**
